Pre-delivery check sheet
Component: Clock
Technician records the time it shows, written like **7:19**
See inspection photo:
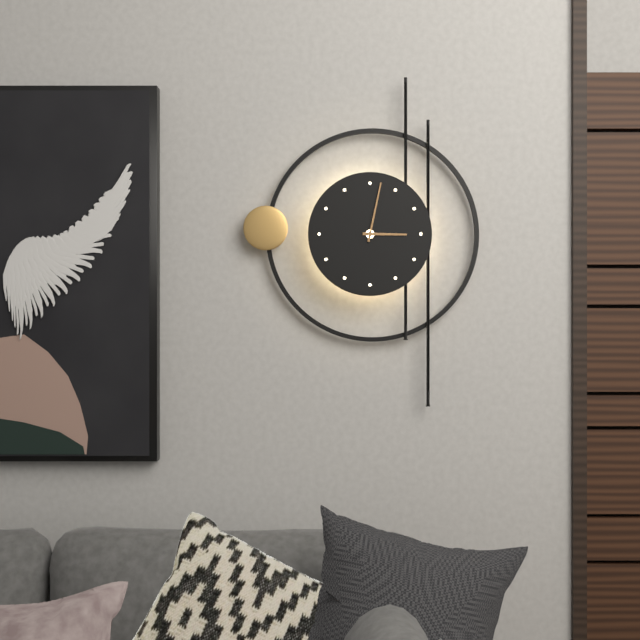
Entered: **3:02**
